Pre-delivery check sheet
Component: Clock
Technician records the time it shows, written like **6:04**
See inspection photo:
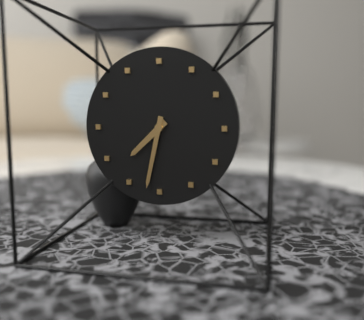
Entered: **7:32**
